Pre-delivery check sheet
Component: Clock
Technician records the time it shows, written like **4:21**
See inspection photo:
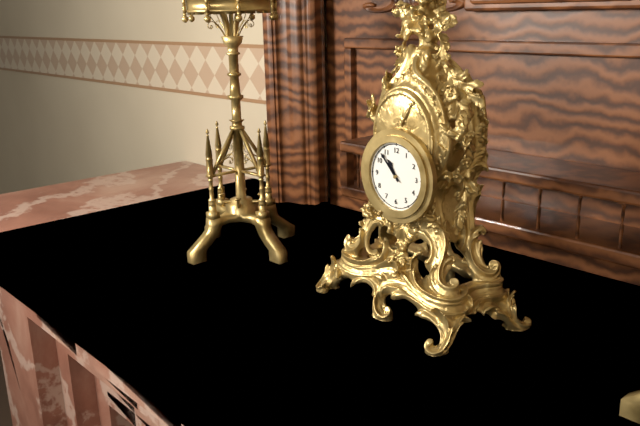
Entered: **10:53**
